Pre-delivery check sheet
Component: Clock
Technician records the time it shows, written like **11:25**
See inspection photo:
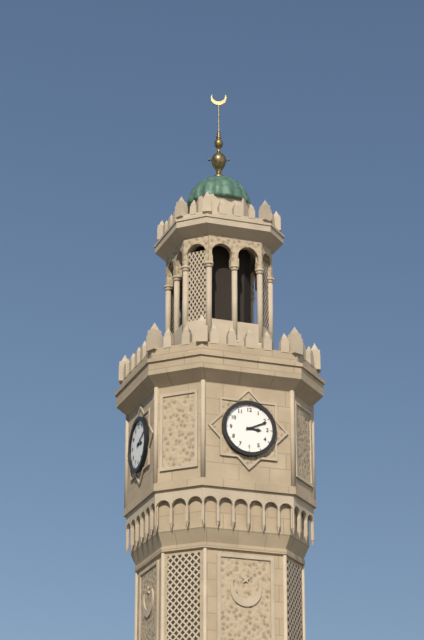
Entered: **3:11**
